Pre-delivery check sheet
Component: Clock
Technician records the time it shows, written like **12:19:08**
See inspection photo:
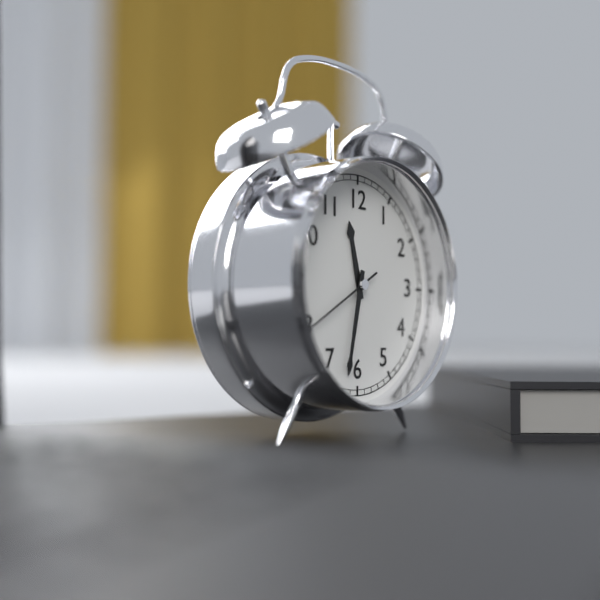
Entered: **11:32:40**
